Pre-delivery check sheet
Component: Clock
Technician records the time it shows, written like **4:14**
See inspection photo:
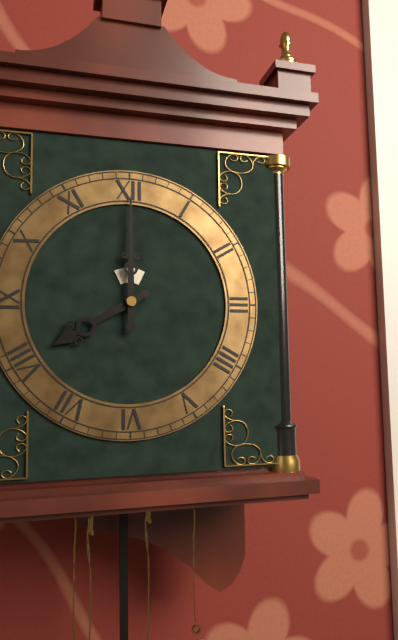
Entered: **8:00**
